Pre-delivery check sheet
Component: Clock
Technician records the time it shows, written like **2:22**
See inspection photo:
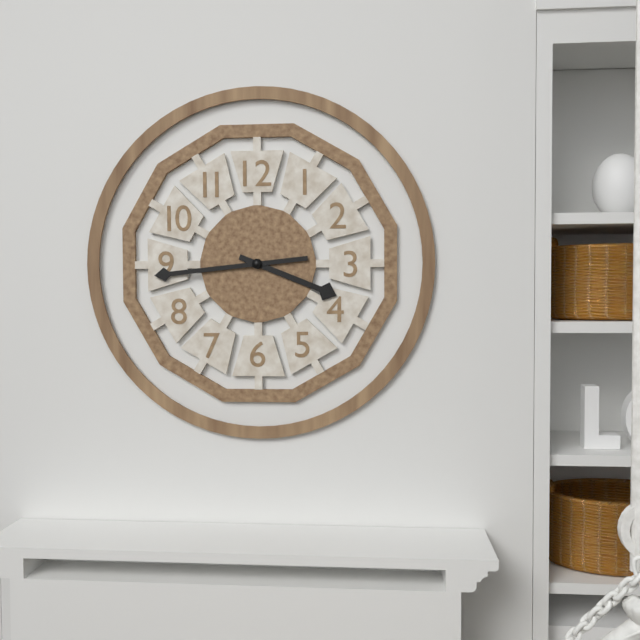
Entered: **3:44**
